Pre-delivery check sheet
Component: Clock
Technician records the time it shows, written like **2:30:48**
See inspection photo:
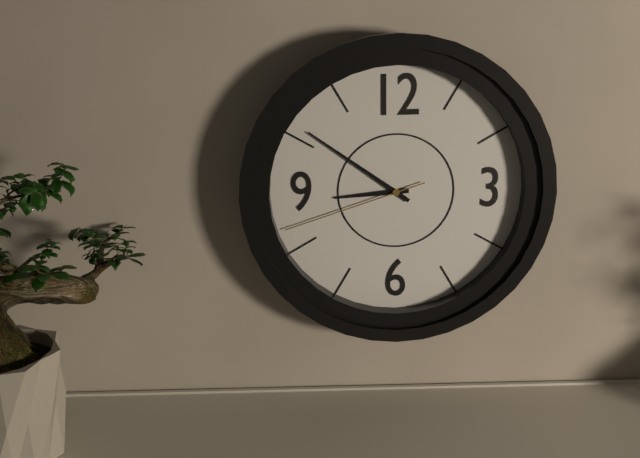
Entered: **8:51:42**
